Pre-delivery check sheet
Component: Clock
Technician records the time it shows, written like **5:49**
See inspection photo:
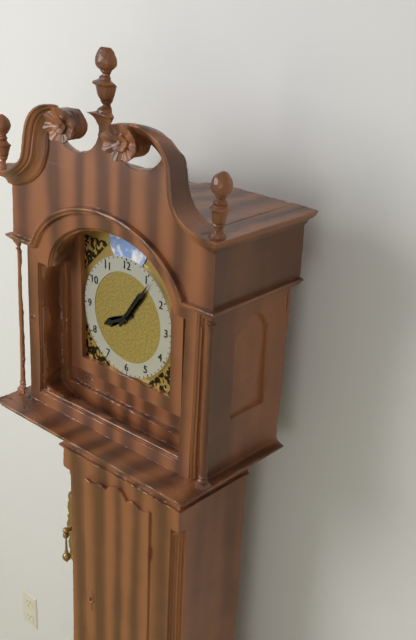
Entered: **8:06**
